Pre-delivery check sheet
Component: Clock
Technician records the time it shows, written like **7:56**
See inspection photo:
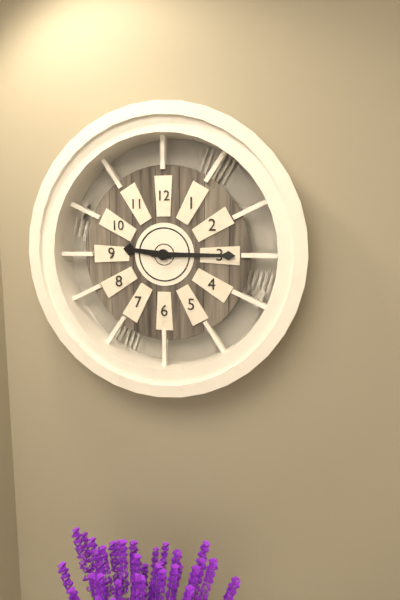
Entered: **9:15**
